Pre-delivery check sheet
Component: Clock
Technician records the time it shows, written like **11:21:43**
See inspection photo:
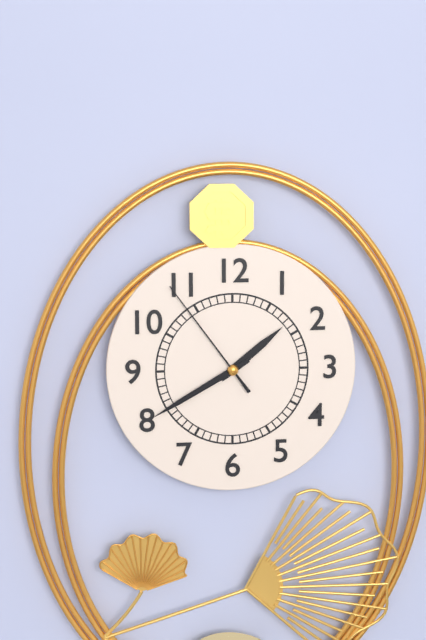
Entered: **1:40:54**
